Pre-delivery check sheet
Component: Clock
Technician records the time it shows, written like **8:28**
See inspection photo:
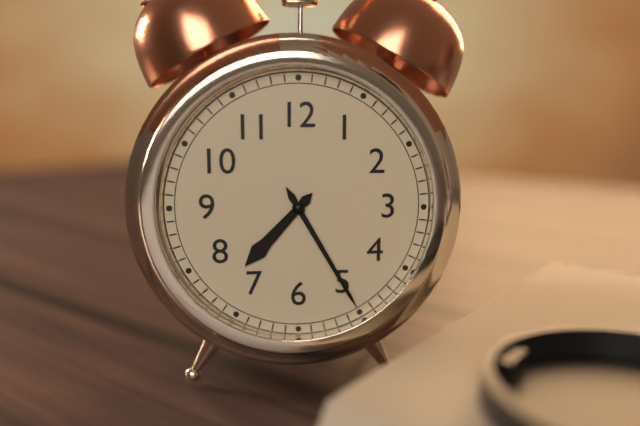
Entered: **7:25**
